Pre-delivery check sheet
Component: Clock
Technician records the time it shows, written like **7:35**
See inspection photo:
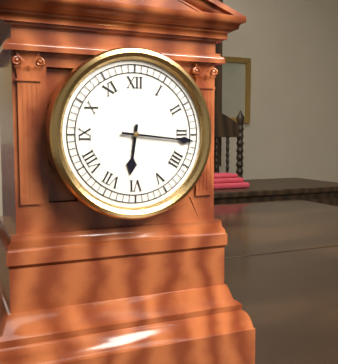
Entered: **6:16**
